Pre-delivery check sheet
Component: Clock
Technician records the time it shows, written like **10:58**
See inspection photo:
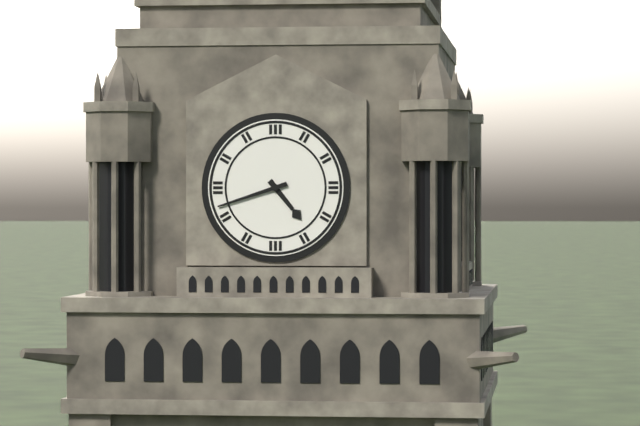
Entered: **4:42**
